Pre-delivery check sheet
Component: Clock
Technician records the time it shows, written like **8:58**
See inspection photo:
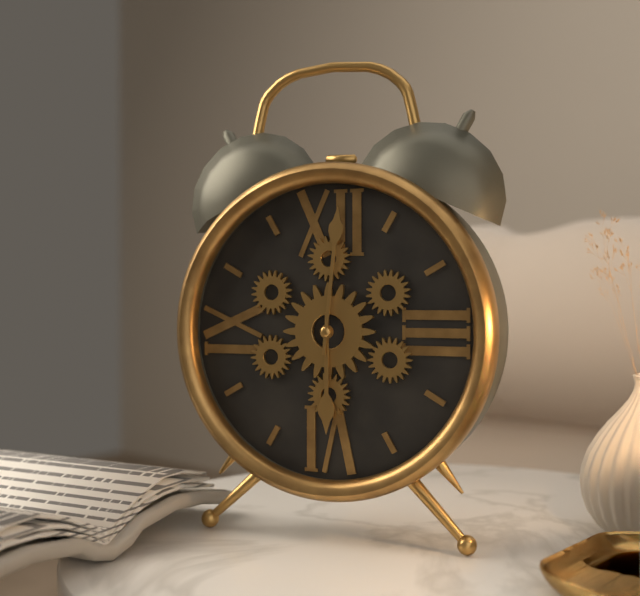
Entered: **6:01**
